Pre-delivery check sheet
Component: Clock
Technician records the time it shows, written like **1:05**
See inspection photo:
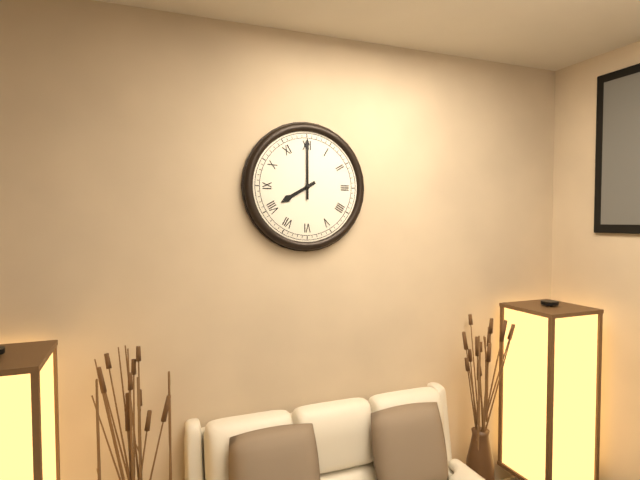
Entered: **8:00**
